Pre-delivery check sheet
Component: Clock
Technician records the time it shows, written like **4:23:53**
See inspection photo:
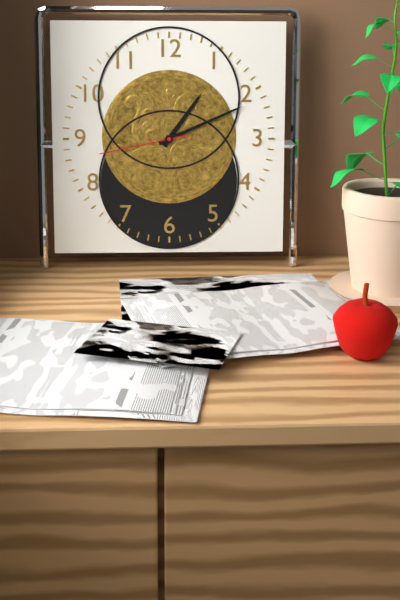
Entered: **1:11:43**
